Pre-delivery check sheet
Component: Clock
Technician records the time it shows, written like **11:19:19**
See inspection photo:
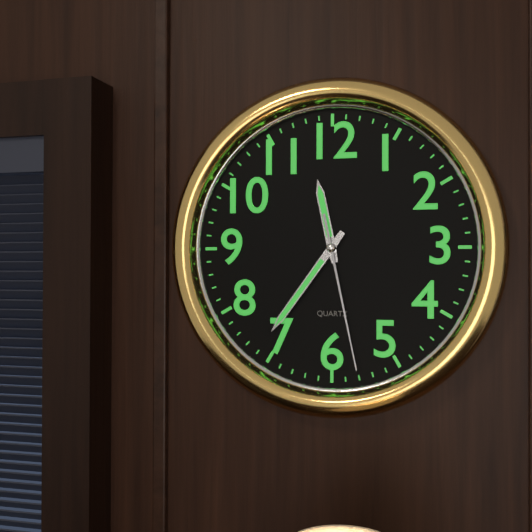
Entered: **11:36:28**
